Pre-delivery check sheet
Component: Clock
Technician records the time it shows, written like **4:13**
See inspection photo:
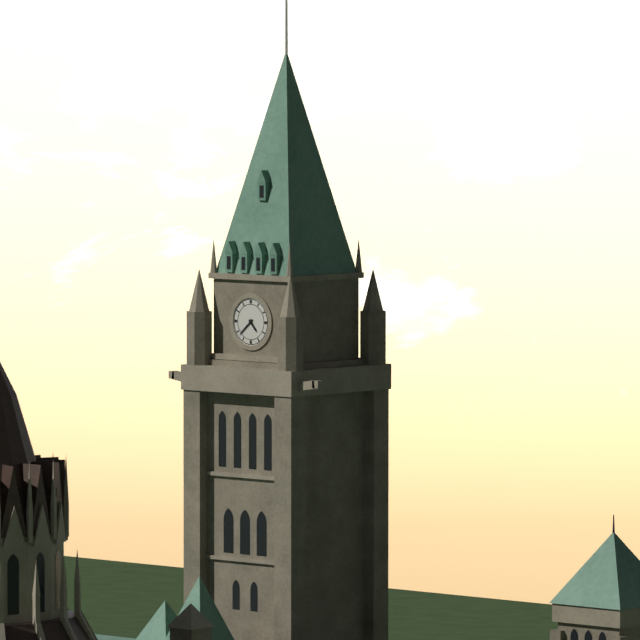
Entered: **4:38**
